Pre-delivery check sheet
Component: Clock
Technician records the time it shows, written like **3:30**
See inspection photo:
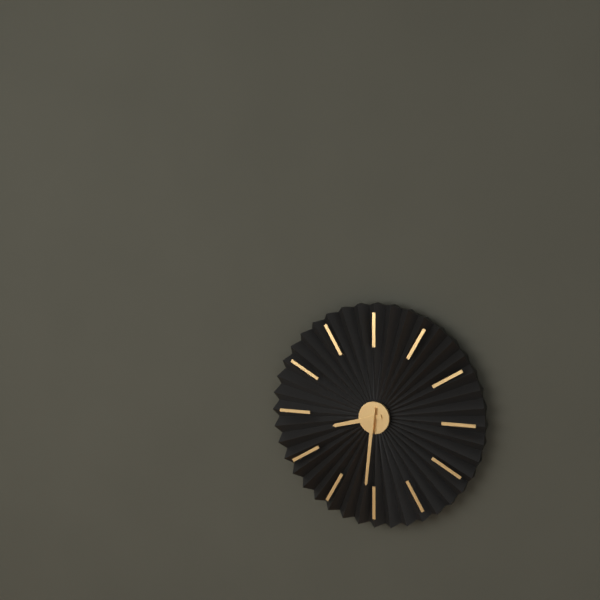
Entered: **8:31**
